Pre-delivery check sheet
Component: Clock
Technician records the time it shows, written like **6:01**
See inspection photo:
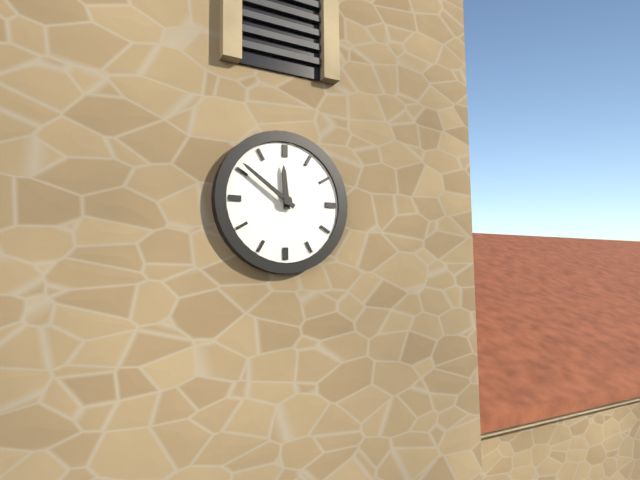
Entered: **11:51**
